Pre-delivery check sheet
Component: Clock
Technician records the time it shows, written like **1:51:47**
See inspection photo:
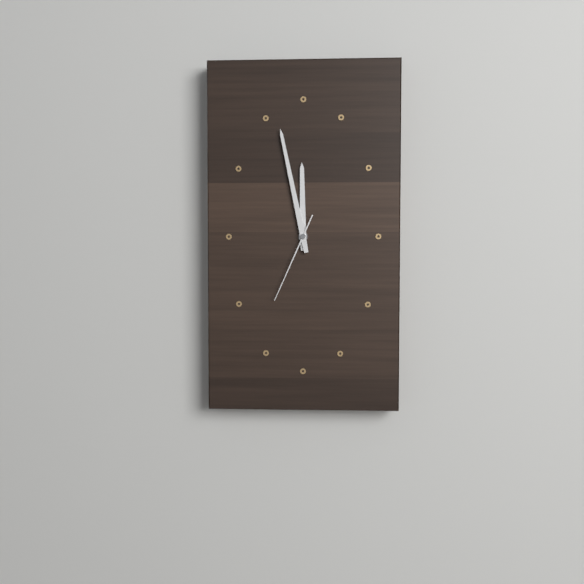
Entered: **11:58:34**
